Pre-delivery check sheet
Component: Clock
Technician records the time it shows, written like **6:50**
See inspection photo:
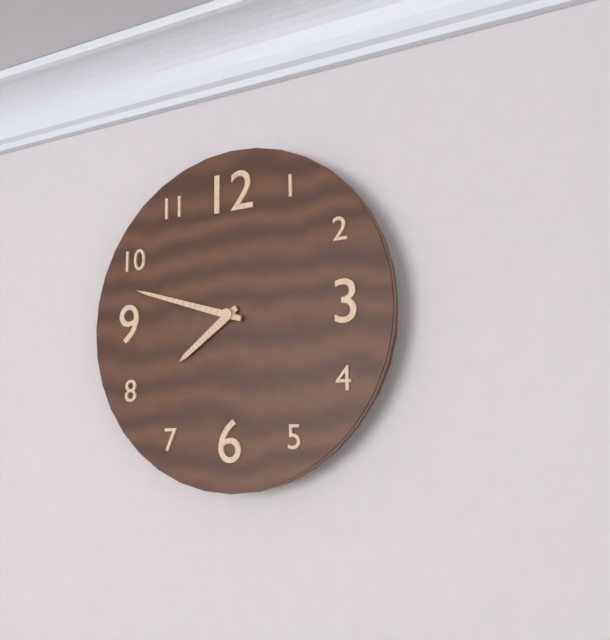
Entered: **7:48**
